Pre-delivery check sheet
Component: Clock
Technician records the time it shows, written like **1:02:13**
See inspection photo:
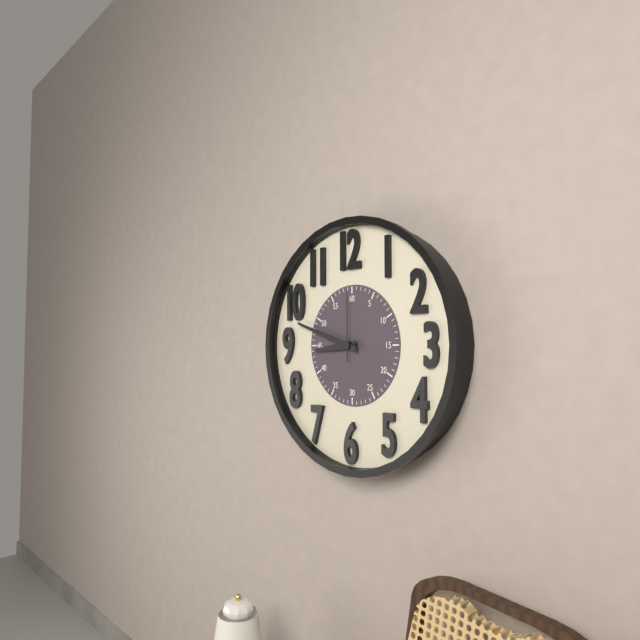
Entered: **8:48:00**
